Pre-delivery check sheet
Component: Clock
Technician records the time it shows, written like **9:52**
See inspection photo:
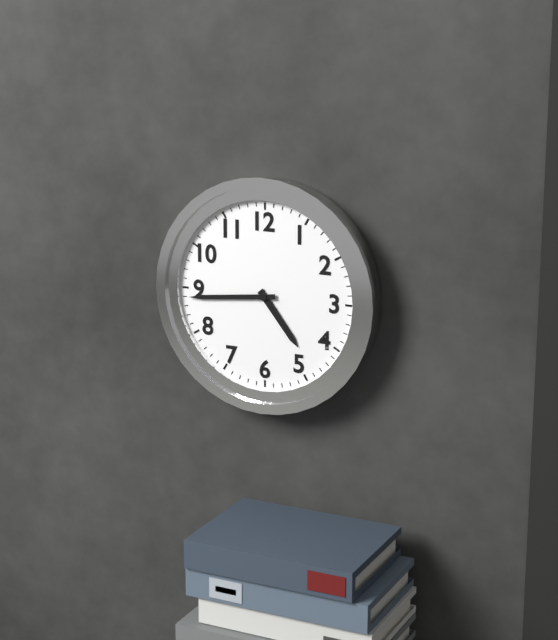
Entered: **4:44**
